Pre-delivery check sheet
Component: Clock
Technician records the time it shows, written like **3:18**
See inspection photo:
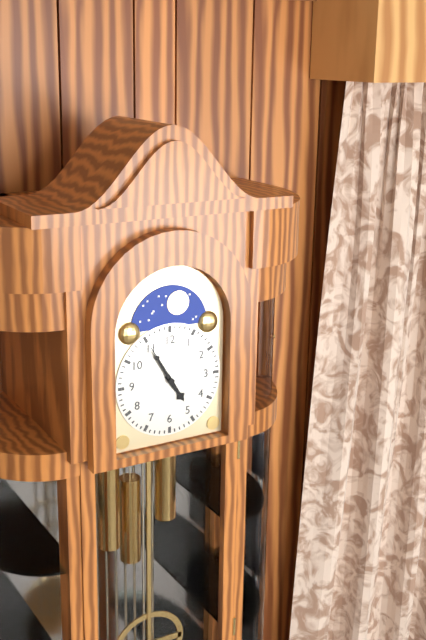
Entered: **4:55**
